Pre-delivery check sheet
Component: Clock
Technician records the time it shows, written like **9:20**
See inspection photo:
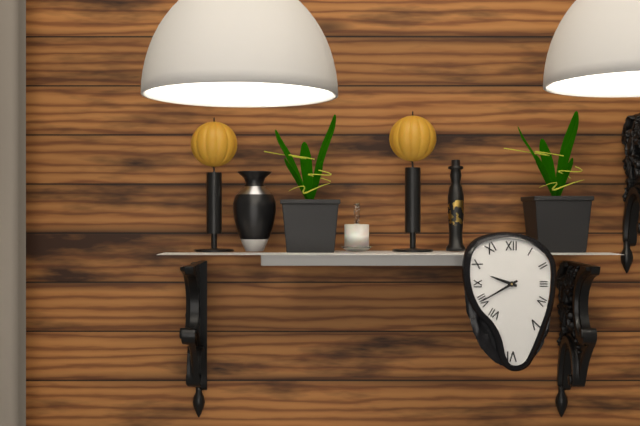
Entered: **9:40**
